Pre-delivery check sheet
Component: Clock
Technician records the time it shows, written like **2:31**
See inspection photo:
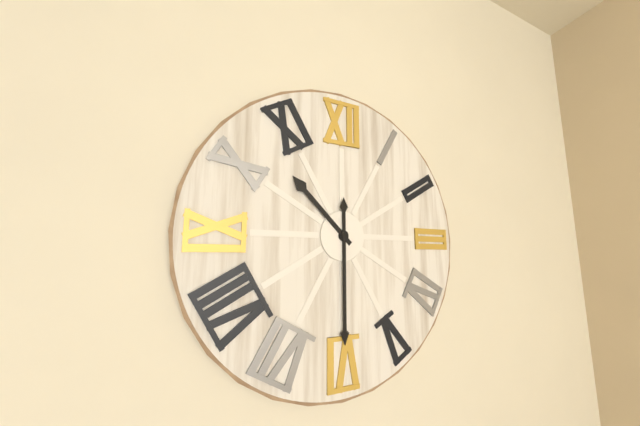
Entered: **10:30**
